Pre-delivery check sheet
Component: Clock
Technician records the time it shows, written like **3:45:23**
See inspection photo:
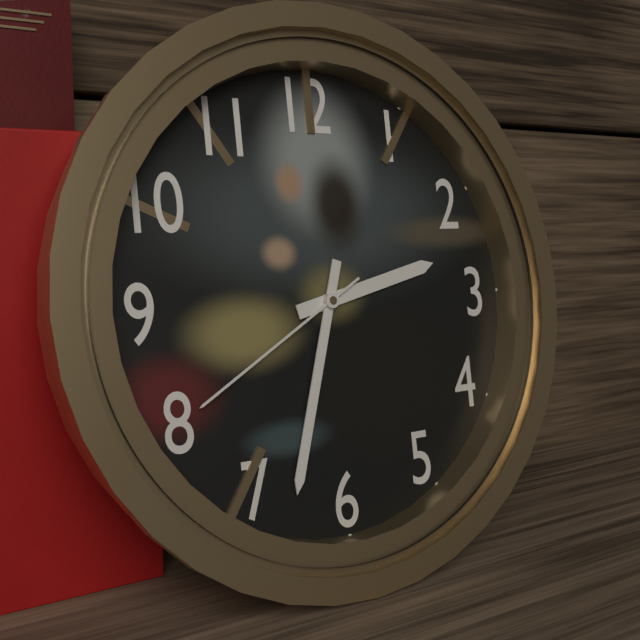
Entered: **2:33:40**
